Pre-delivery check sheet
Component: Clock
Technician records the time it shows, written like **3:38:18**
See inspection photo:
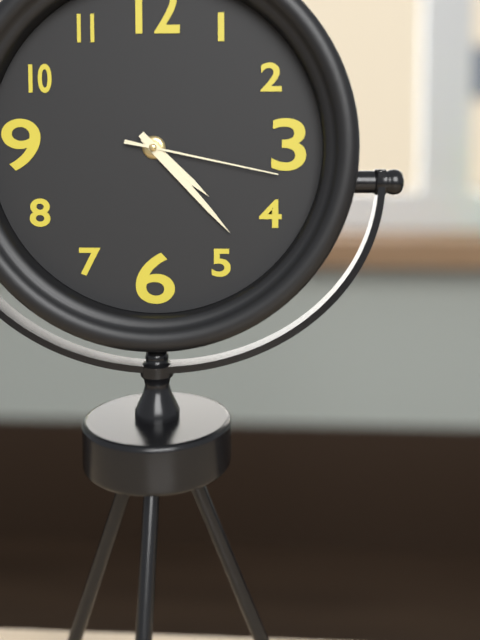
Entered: **4:23:17**
